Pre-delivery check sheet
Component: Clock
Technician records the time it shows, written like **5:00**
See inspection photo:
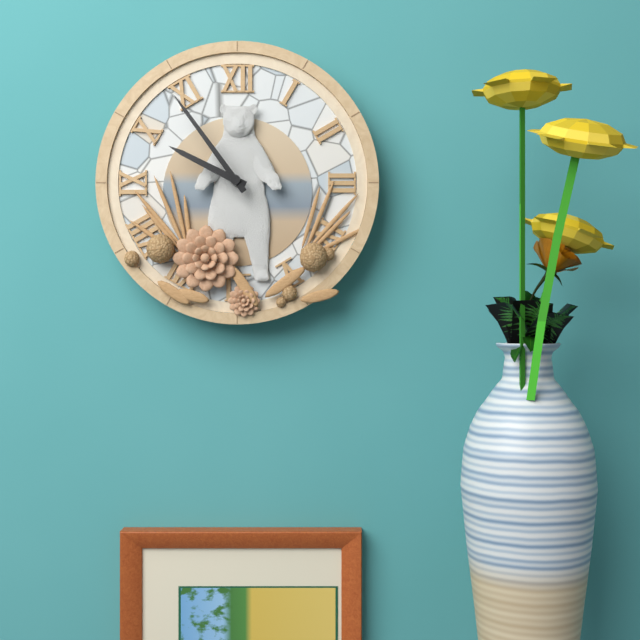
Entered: **9:54**
